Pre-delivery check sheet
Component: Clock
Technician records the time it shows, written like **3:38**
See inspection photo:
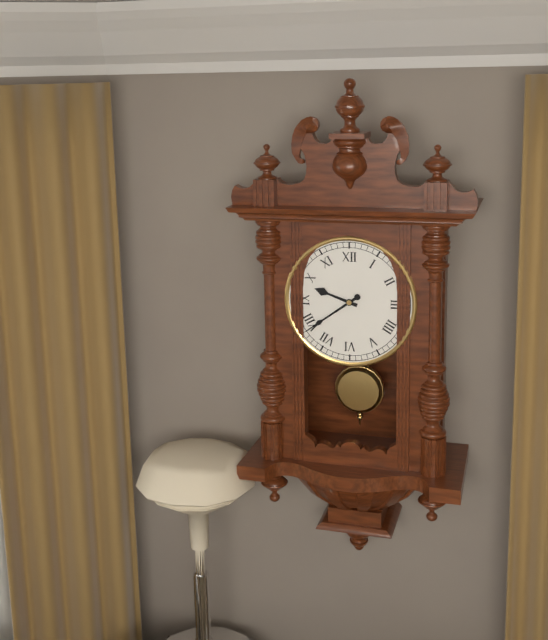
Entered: **9:39**
